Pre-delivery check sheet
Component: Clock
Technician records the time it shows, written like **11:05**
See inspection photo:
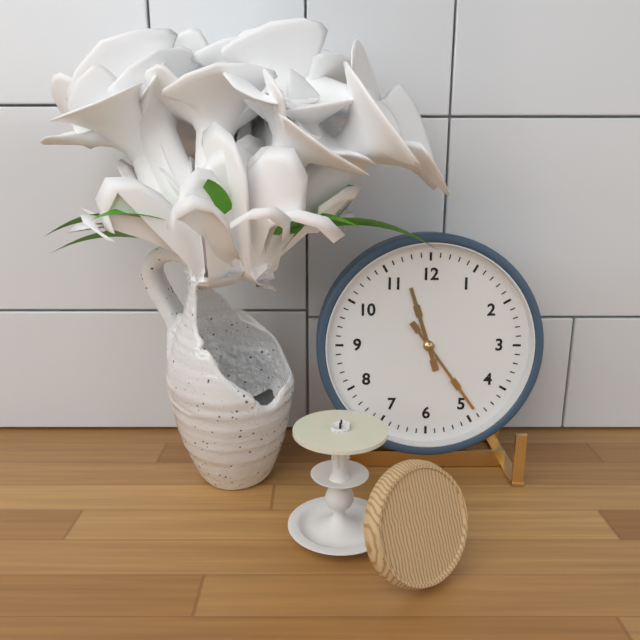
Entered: **11:24**
